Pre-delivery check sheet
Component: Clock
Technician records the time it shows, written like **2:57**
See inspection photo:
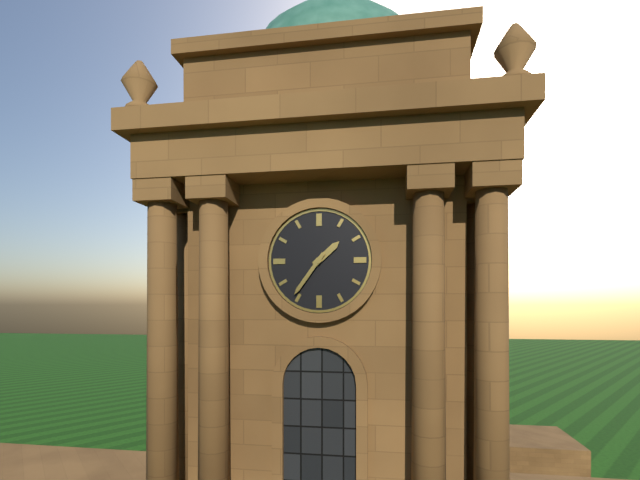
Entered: **1:36**
